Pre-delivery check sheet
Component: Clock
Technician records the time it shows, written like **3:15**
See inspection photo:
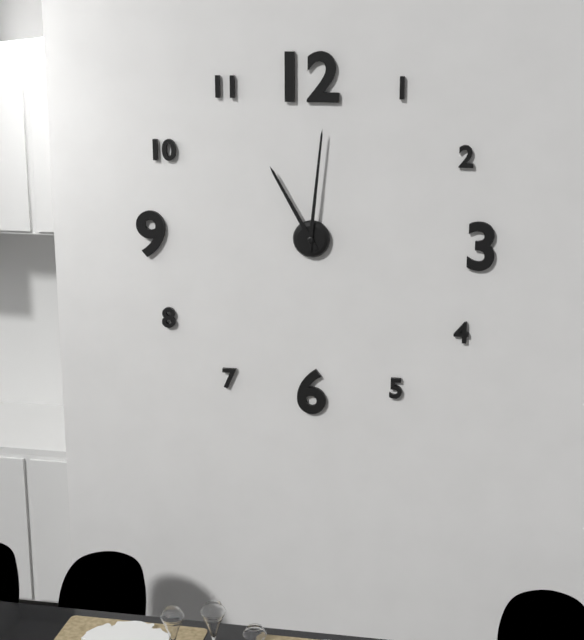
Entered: **11:01**
